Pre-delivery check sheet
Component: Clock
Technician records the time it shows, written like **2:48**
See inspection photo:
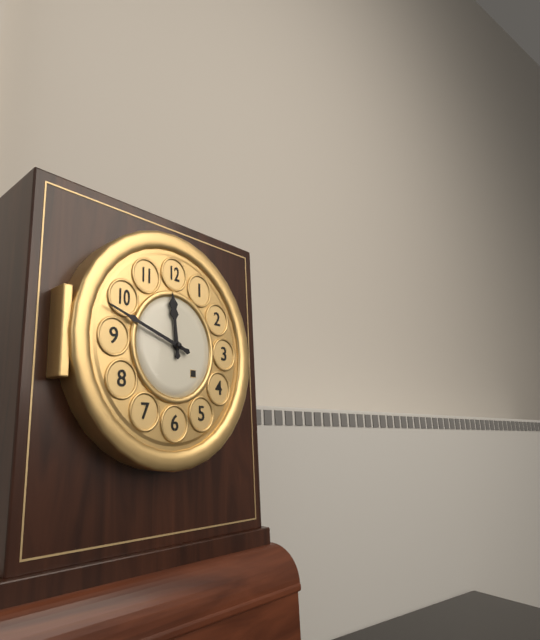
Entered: **11:48**
